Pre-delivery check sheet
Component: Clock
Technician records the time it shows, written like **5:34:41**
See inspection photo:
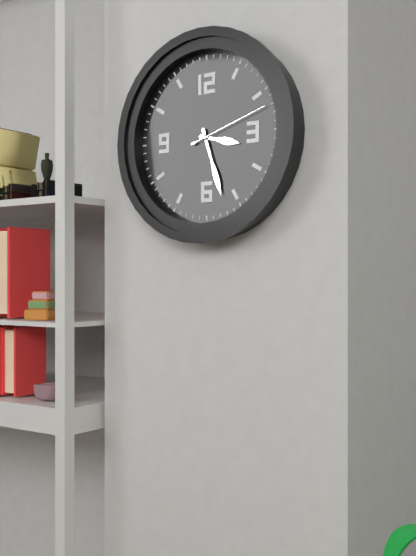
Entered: **3:27:12**
